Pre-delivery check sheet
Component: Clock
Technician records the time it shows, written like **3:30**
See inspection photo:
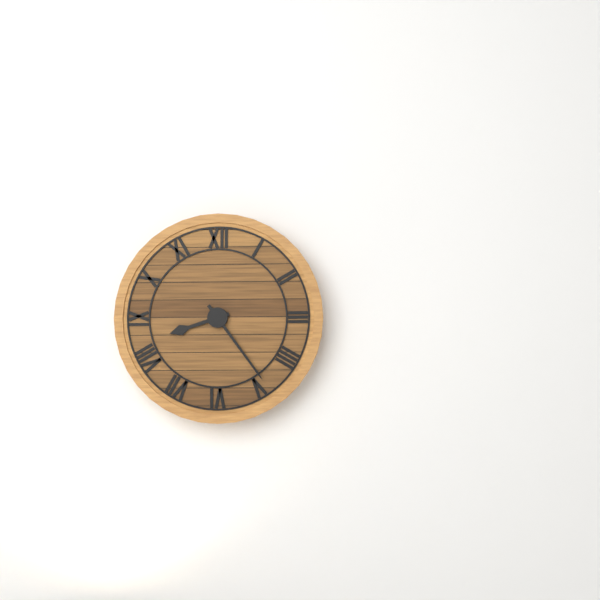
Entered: **8:24**
